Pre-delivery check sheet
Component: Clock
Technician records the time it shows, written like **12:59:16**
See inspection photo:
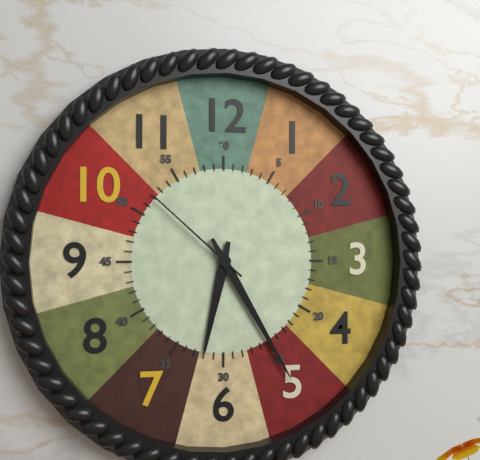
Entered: **6:25:52**
